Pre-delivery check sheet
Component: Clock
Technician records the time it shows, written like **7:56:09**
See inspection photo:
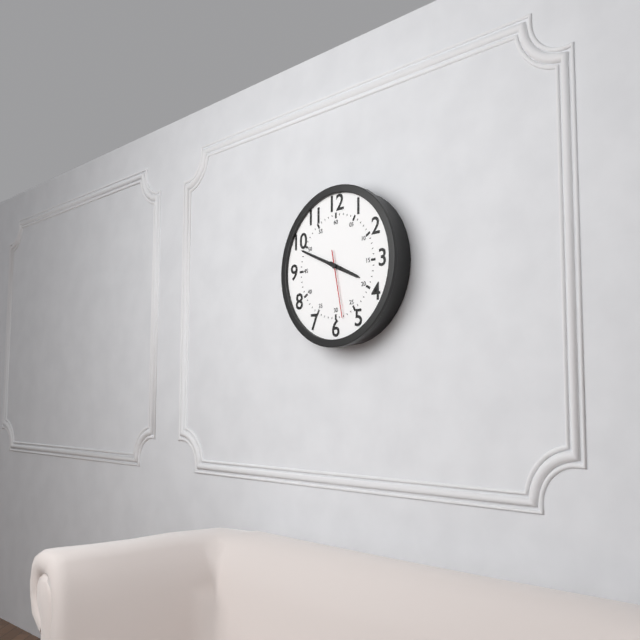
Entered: **3:49:28**
